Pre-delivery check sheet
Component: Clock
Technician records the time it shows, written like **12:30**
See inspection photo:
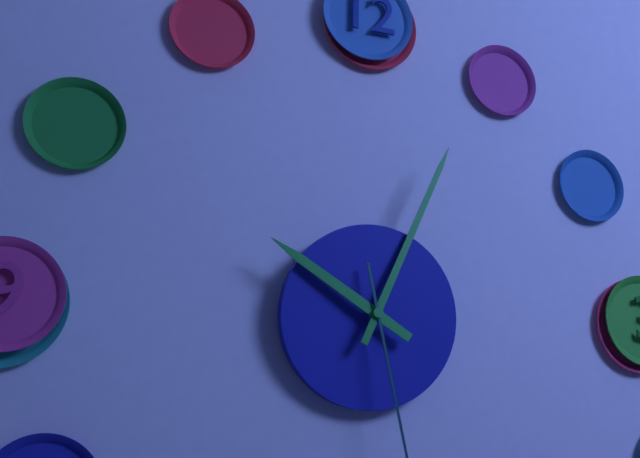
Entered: **10:04**
